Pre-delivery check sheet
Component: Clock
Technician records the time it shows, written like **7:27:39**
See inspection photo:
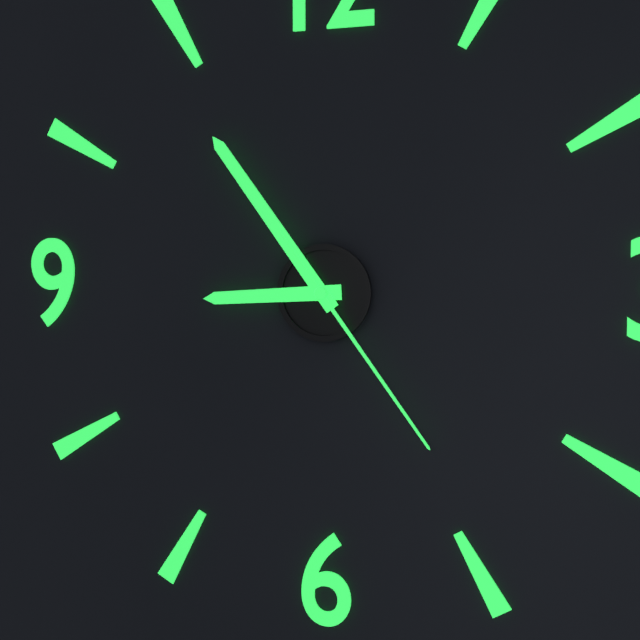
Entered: **8:54:24**
